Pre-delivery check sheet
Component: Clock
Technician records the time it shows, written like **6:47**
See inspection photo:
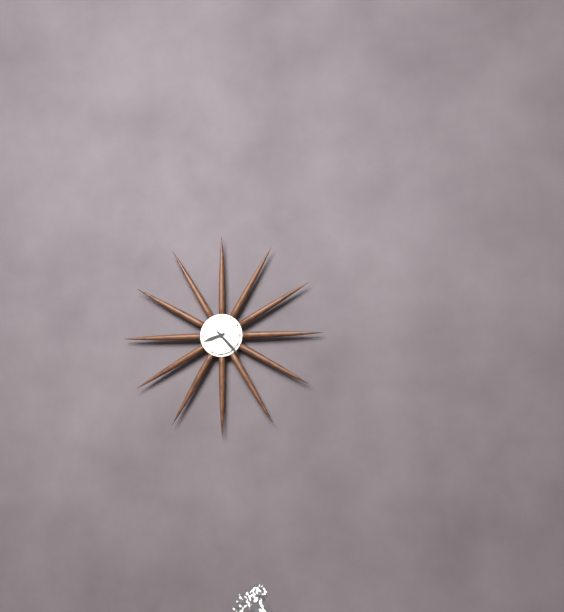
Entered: **8:23**
